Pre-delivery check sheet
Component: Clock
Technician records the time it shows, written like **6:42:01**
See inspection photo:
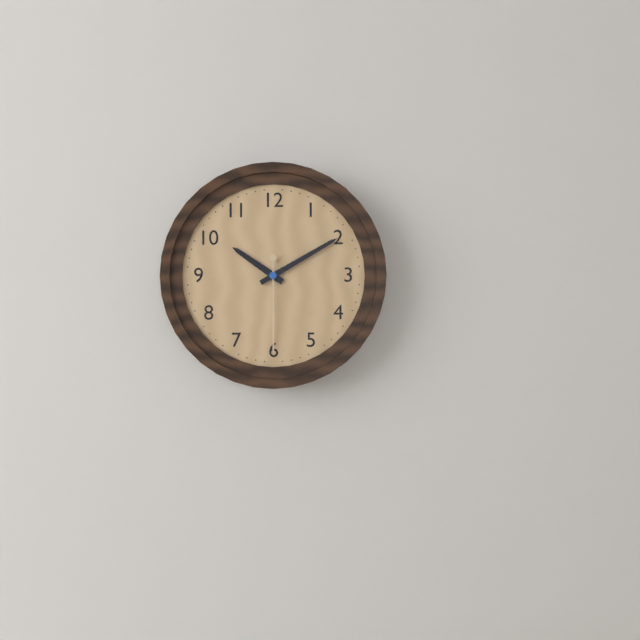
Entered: **10:10:30**
